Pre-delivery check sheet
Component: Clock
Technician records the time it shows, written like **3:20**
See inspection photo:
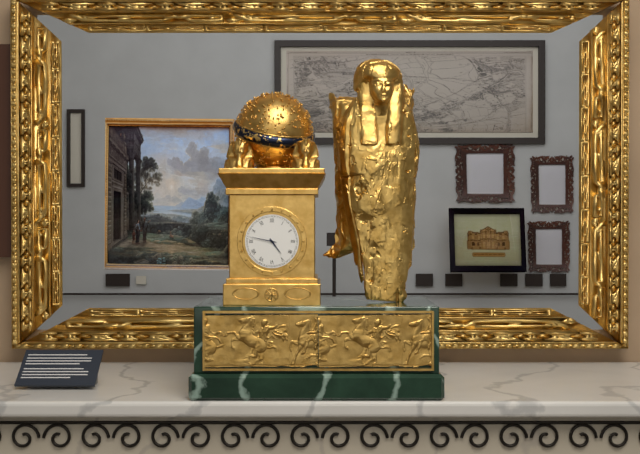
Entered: **4:47**
